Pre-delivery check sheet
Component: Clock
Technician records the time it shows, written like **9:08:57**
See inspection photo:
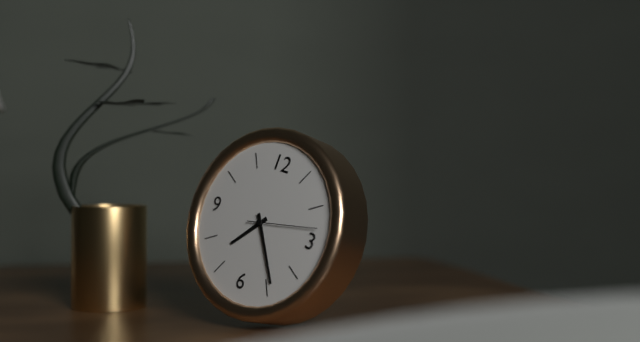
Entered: **7:24:13**
